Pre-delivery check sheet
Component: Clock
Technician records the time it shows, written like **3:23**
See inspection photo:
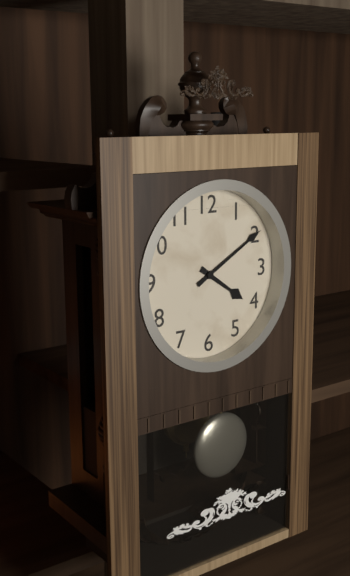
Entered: **4:10**
